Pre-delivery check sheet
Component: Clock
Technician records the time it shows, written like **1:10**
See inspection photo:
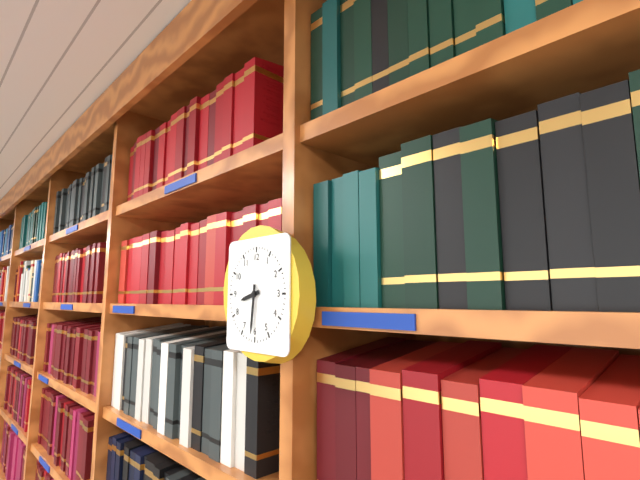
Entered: **8:31**
